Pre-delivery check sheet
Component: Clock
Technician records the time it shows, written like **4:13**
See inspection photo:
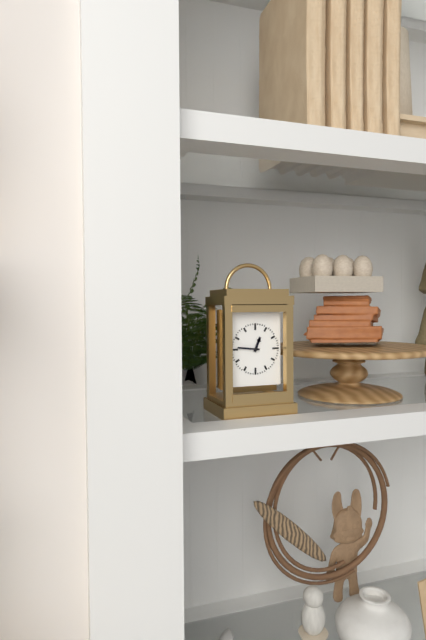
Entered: **12:46**
